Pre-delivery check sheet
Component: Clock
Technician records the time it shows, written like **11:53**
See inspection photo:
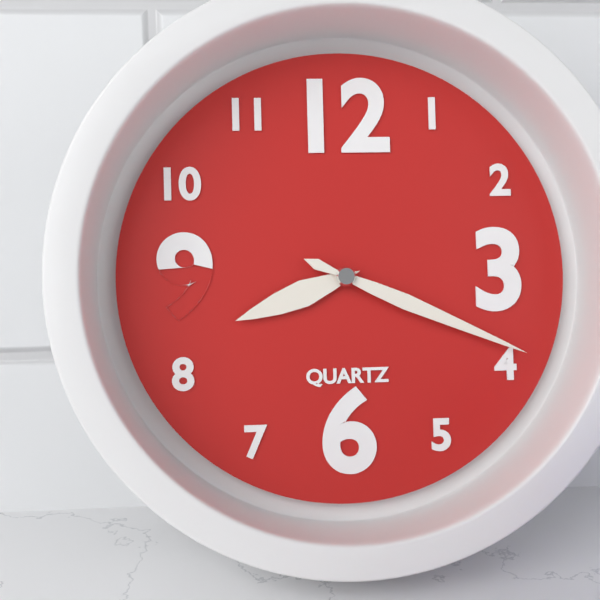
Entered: **8:19**
